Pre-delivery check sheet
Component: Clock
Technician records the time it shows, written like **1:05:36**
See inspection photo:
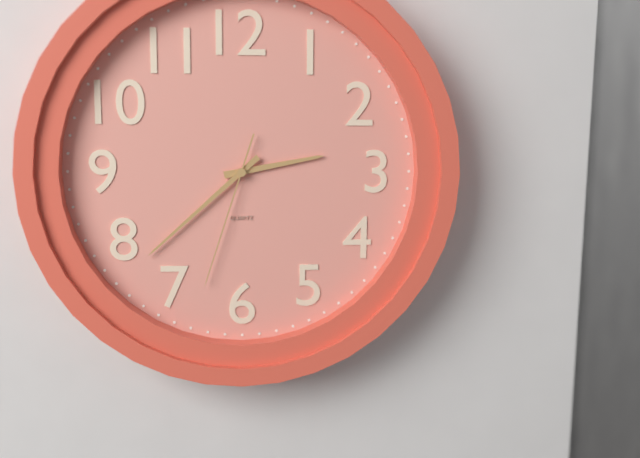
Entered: **2:38:33**
